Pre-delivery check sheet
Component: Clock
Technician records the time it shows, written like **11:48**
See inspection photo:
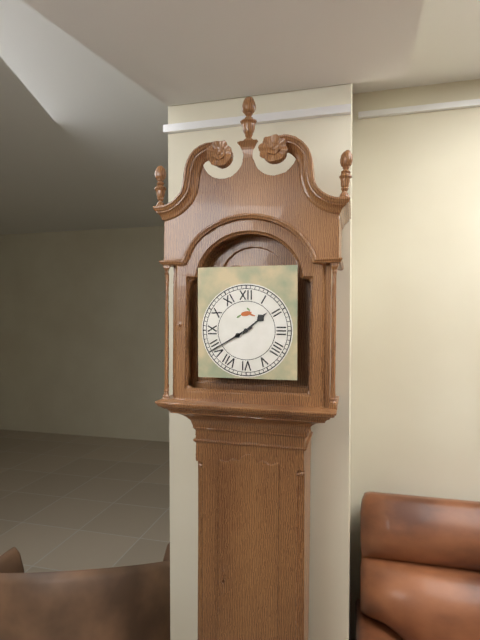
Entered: **1:40**
